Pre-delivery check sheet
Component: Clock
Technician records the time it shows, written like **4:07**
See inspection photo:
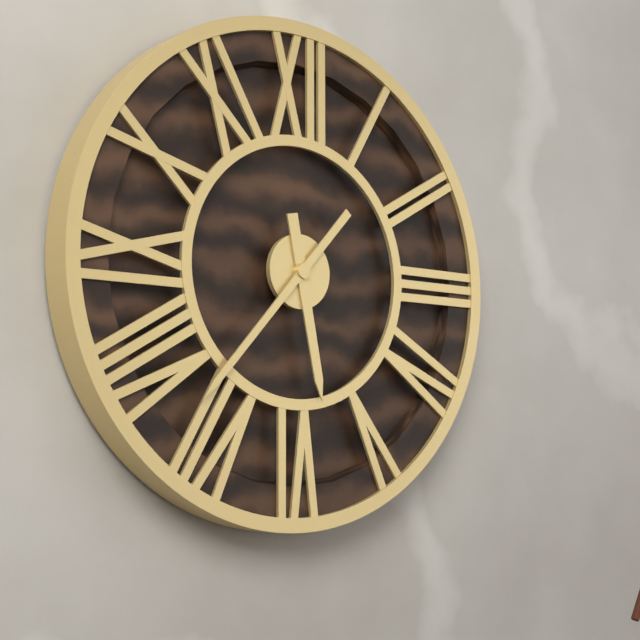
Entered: **5:37**
